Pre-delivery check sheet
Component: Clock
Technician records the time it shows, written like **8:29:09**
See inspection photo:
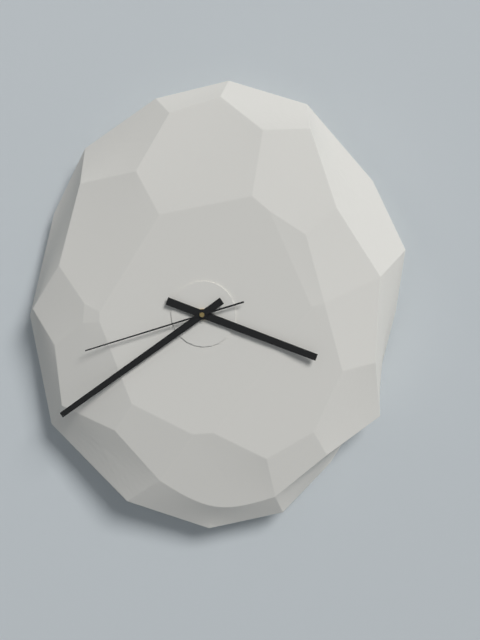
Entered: **3:39:42**
